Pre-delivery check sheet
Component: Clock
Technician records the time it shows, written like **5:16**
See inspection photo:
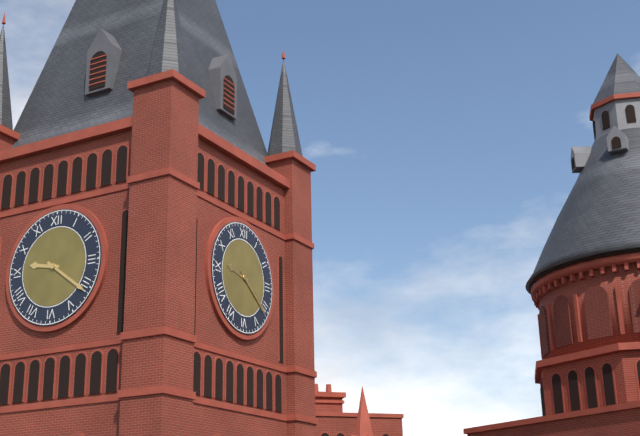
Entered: **9:21**
